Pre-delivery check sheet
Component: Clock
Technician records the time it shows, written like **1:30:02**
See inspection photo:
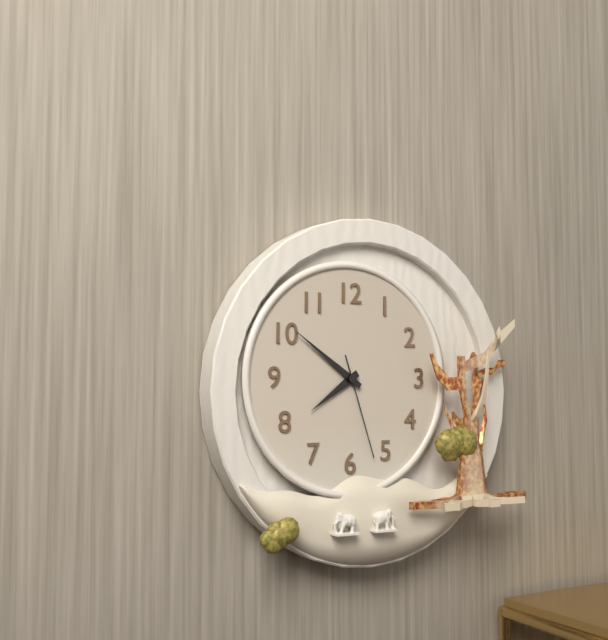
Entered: **7:51:27**
